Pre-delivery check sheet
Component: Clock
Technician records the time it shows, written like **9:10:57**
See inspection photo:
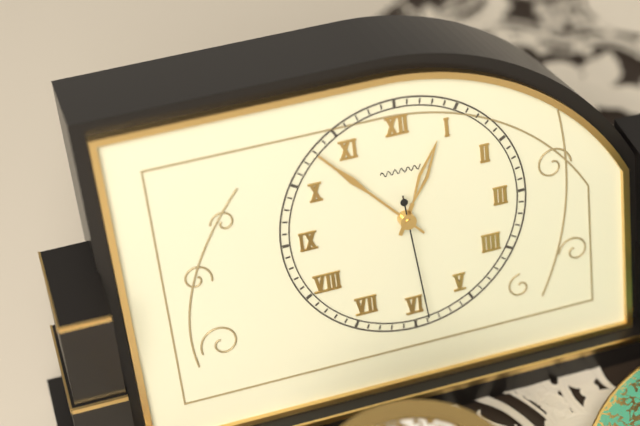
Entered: **12:53:29**
